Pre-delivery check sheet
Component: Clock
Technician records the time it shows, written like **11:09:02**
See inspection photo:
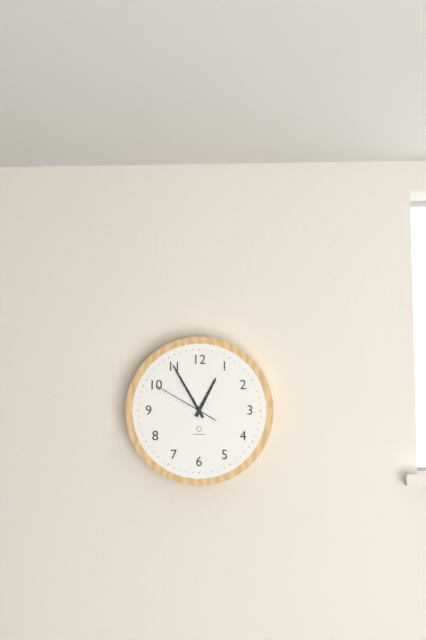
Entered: **12:55:50**
